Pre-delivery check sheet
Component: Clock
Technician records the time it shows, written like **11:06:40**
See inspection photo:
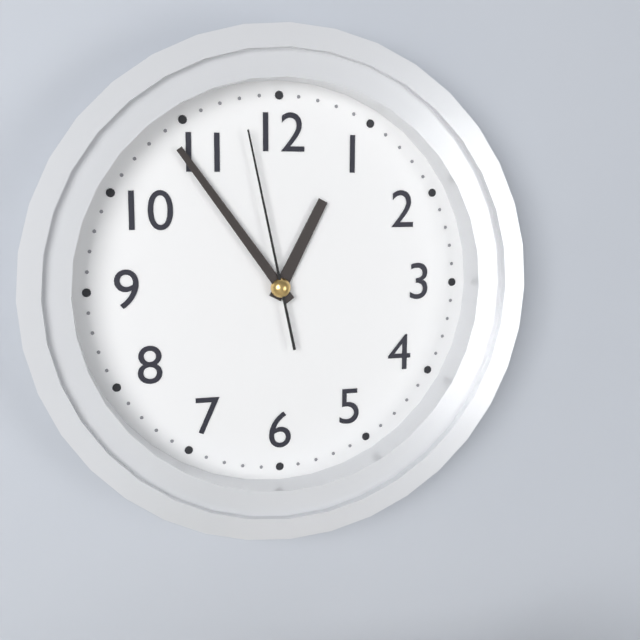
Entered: **12:54:58**
